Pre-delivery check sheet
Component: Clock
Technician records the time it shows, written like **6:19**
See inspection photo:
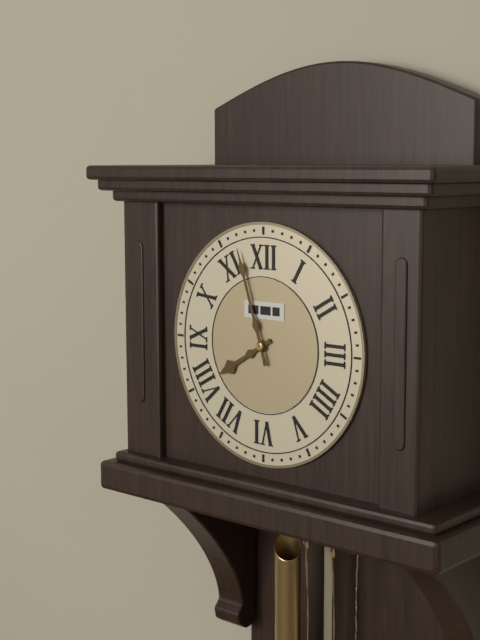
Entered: **7:57**
